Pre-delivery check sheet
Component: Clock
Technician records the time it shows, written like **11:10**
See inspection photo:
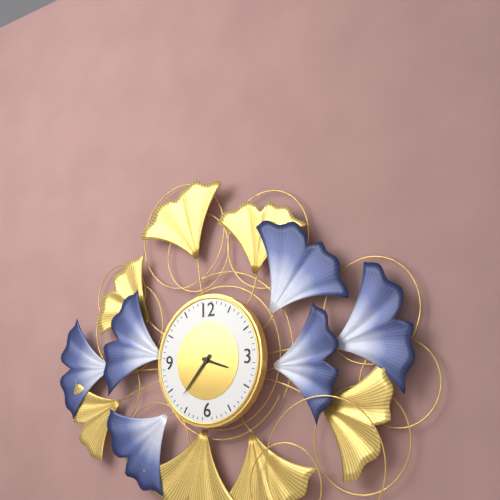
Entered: **3:37**
